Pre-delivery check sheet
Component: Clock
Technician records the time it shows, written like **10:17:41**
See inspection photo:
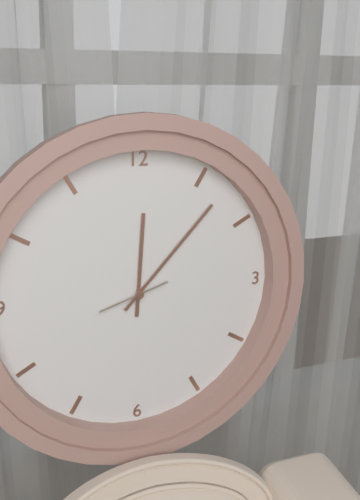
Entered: **12:07:42**
